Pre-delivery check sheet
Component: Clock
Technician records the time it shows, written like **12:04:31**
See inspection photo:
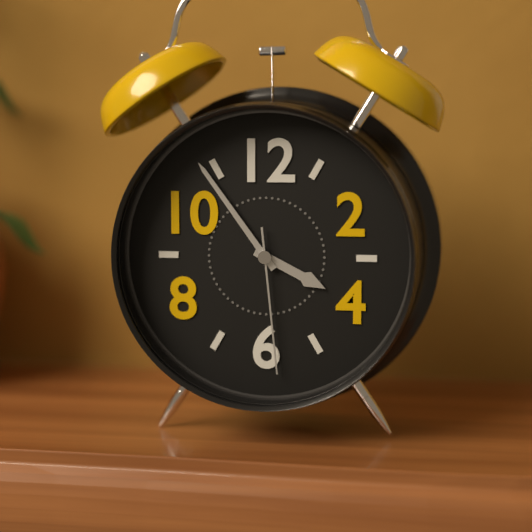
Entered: **3:54:29**
